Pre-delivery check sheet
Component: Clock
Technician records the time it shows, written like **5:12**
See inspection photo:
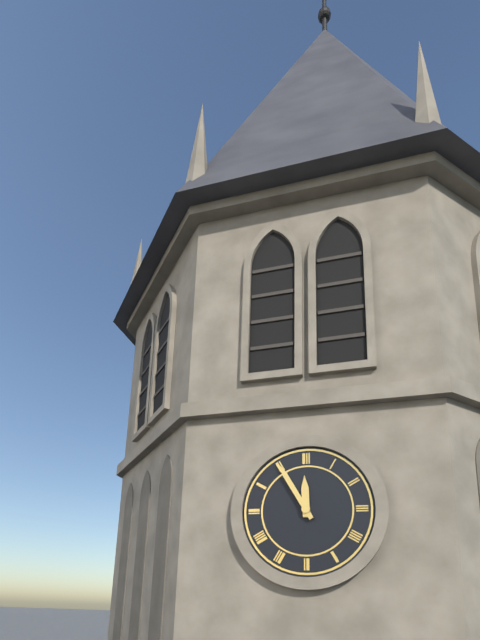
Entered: **11:55**
